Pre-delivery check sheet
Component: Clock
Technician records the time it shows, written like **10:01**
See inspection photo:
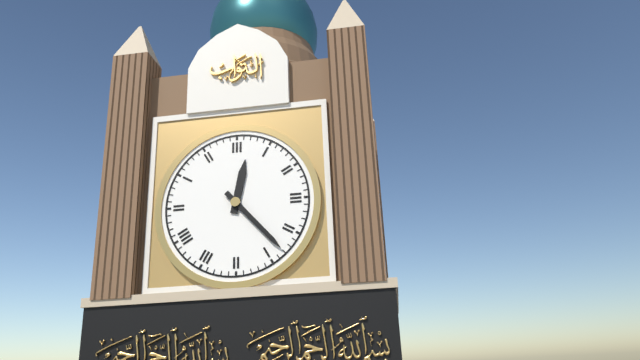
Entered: **12:23**
